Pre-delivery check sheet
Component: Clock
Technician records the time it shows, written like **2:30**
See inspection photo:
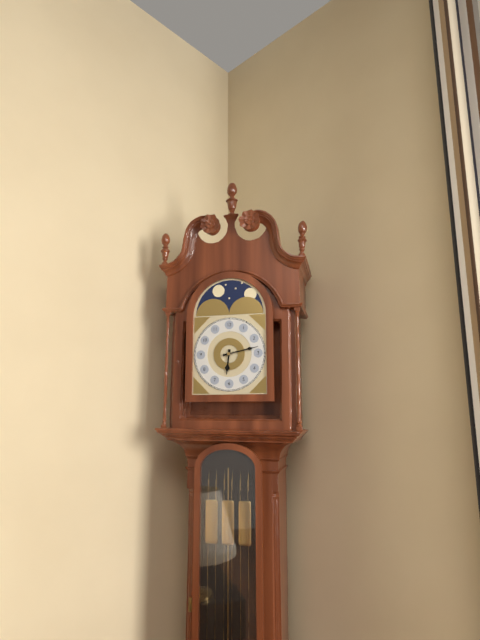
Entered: **6:13**
